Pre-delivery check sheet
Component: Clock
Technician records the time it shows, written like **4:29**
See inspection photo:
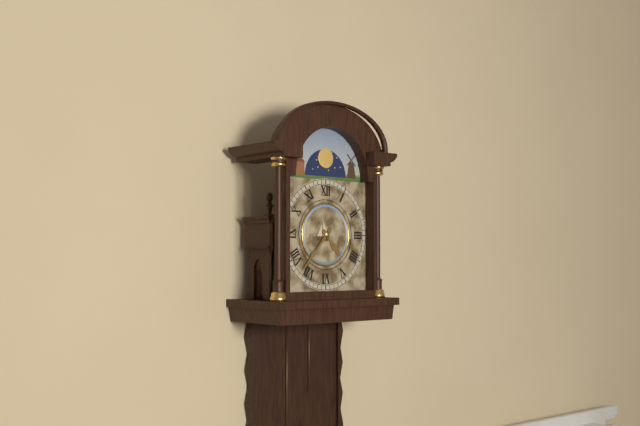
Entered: **4:37**
